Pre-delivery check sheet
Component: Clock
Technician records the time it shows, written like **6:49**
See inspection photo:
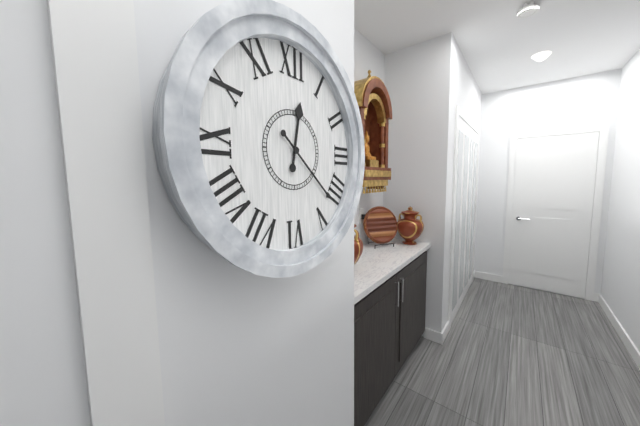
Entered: **12:22**
